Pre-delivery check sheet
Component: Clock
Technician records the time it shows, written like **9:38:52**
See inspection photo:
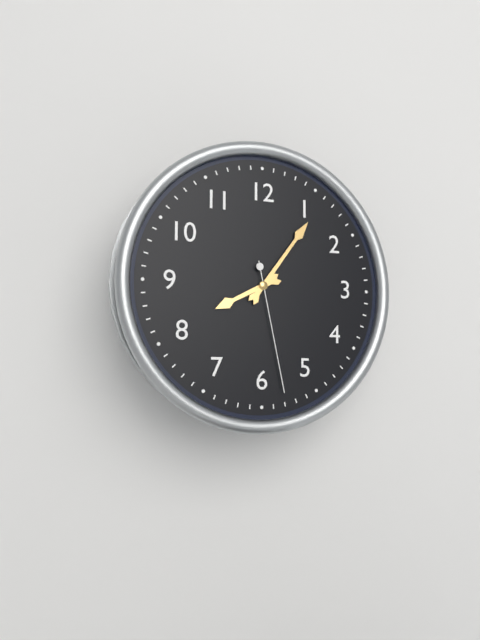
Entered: **8:06:28**
